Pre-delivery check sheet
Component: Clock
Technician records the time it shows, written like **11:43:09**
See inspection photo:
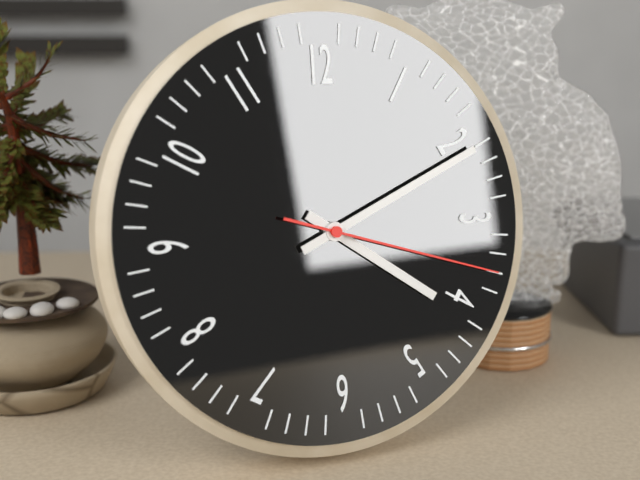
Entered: **4:11:18**
